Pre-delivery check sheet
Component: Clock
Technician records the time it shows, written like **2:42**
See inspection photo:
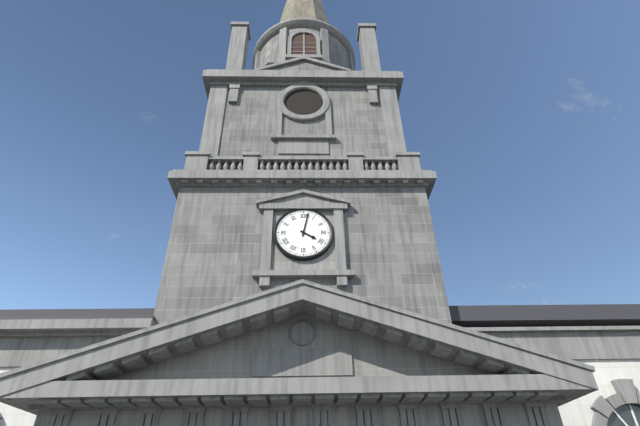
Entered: **4:02**
